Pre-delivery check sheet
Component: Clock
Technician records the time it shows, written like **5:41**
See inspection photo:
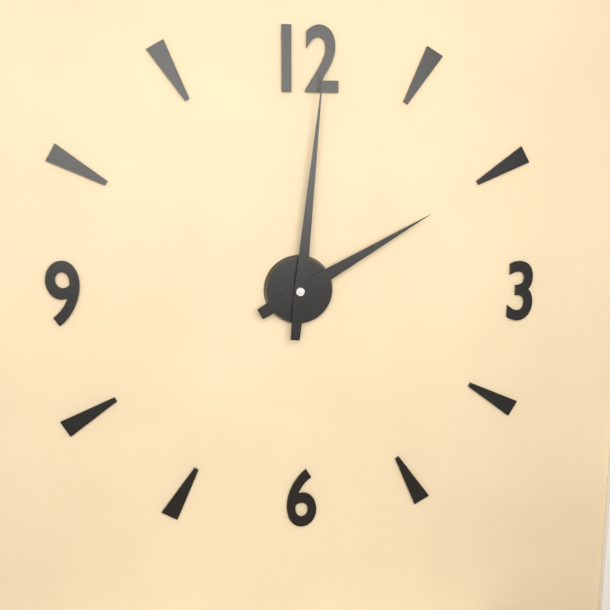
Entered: **2:01**
